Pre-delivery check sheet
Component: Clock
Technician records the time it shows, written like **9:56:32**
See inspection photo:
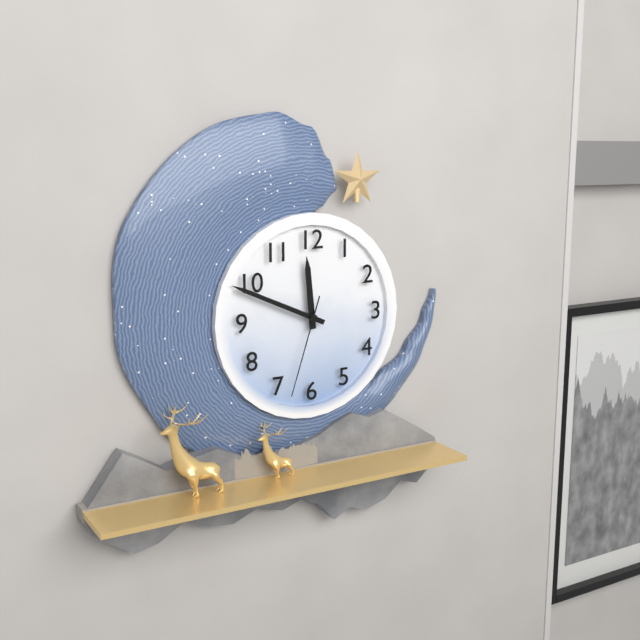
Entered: **11:49:33**
